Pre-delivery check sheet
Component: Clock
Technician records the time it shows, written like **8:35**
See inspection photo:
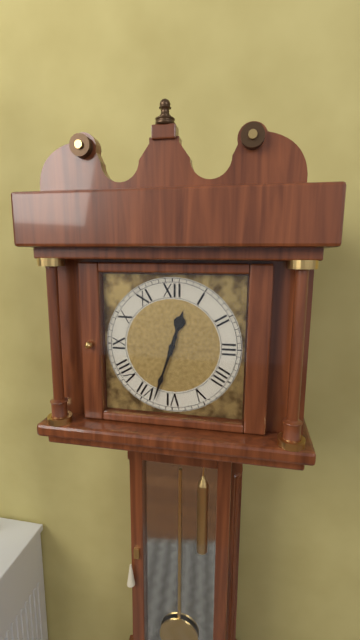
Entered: **12:33**
